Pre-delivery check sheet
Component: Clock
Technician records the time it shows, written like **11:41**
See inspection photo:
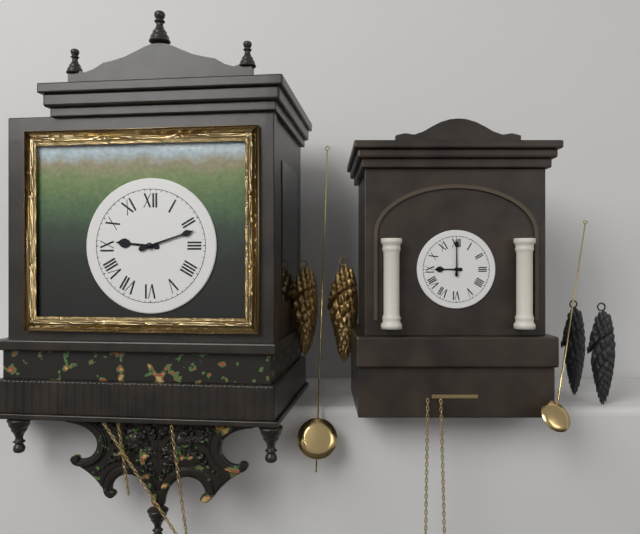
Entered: **9:12**
